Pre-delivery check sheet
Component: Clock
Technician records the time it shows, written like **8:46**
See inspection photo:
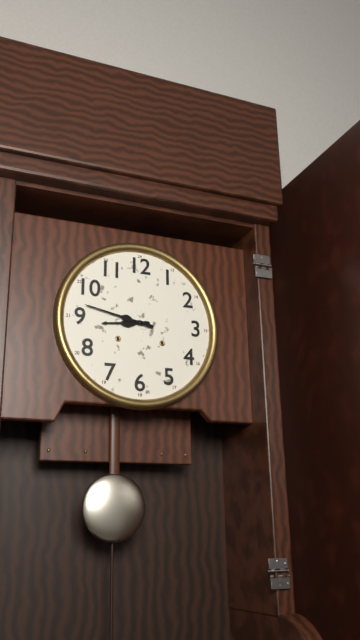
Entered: **8:47**
